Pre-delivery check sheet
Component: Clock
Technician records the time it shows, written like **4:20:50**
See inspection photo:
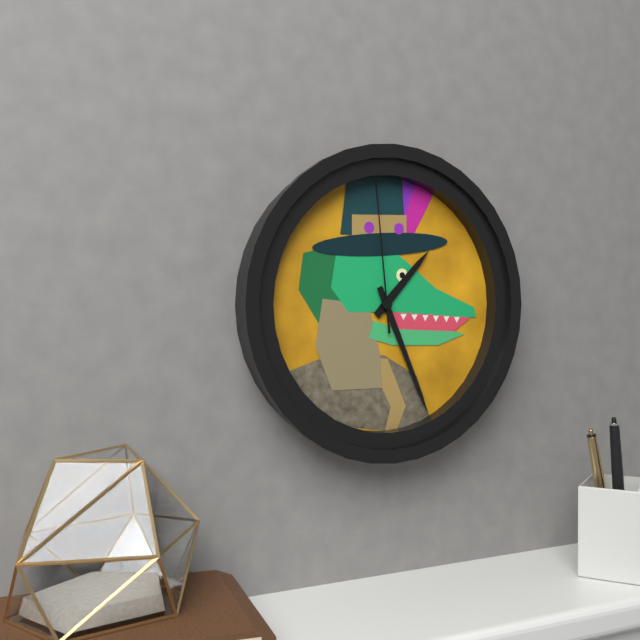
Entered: **1:26:59**
